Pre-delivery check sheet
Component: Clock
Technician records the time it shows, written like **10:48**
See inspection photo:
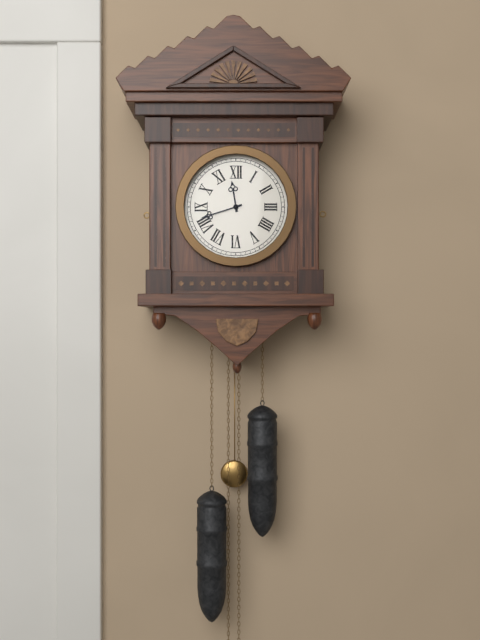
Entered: **11:42**
